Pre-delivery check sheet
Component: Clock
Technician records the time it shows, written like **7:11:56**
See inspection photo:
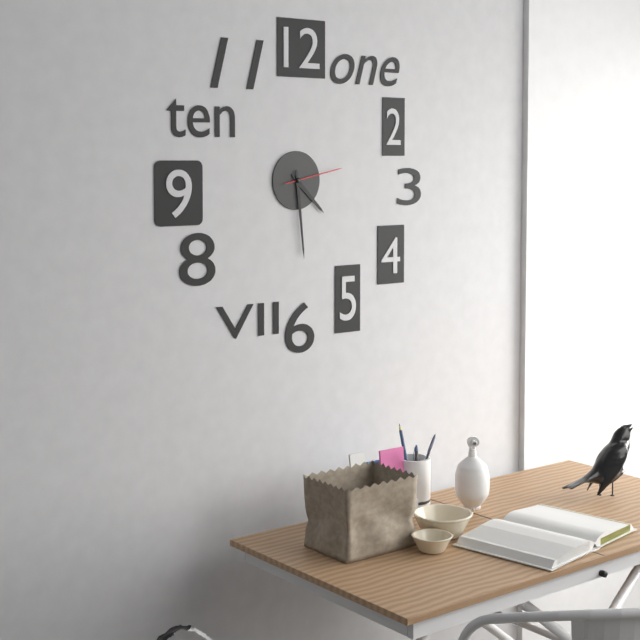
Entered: **4:29:13**
